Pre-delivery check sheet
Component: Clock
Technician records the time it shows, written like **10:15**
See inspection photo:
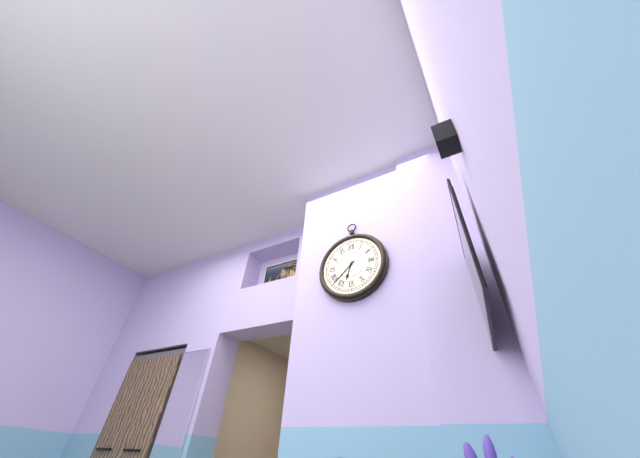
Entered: **6:38**
